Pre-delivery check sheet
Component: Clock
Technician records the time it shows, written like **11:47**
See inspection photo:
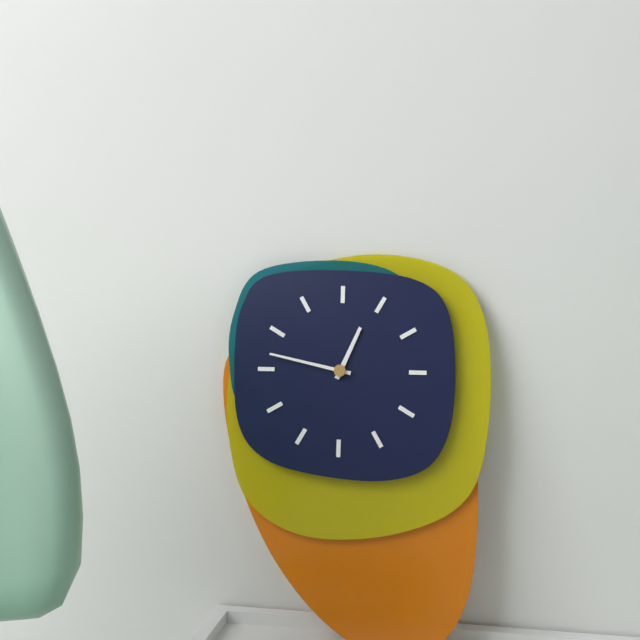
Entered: **12:47**
